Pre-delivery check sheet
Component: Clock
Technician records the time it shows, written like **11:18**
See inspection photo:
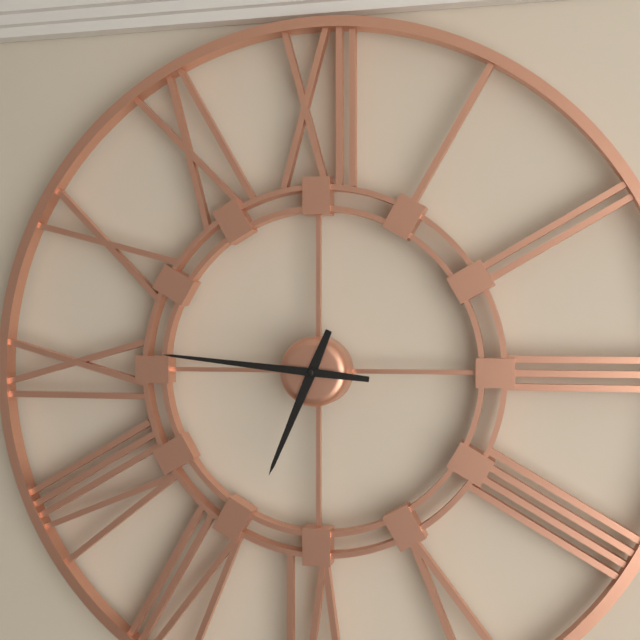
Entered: **6:46**
